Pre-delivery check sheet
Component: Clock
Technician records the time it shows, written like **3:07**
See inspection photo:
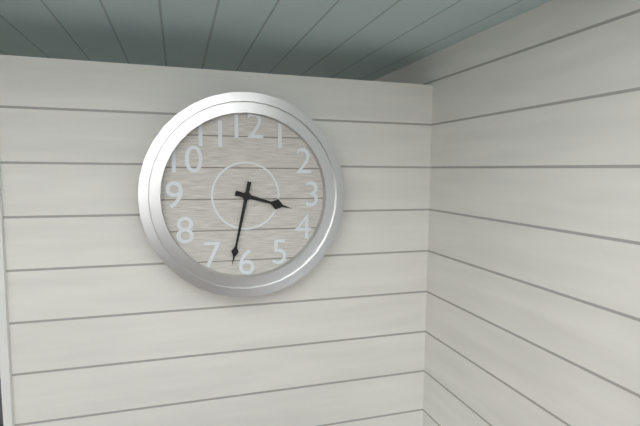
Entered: **3:32**
